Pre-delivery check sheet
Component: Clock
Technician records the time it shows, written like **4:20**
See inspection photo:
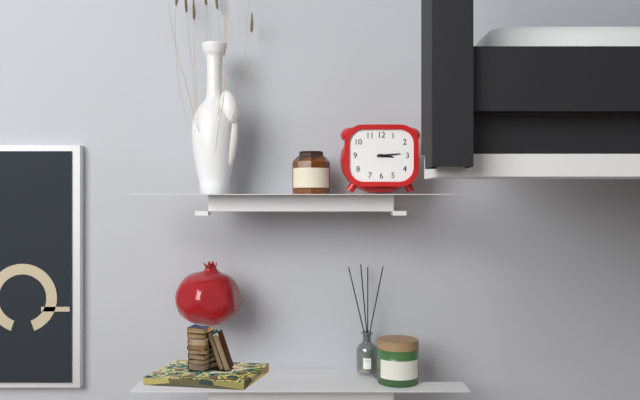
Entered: **3:14**
